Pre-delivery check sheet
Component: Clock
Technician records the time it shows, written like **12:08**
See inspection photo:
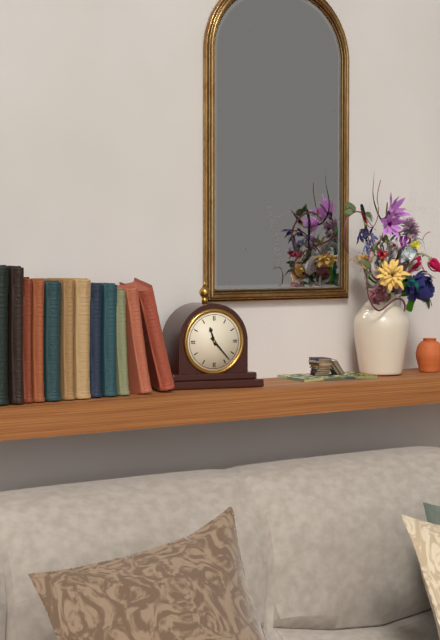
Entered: **11:23**
